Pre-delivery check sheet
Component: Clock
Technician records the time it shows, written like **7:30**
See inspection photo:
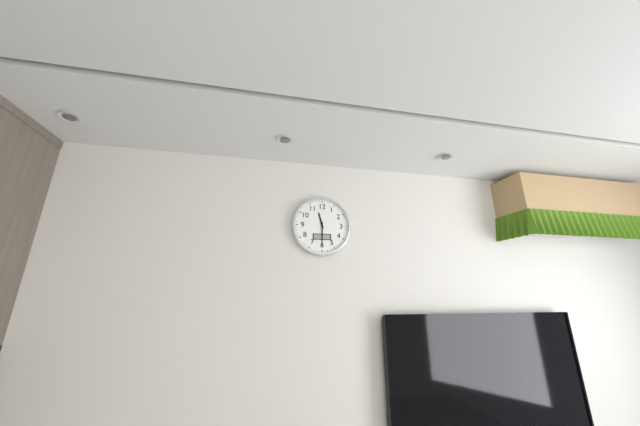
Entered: **11:30**
